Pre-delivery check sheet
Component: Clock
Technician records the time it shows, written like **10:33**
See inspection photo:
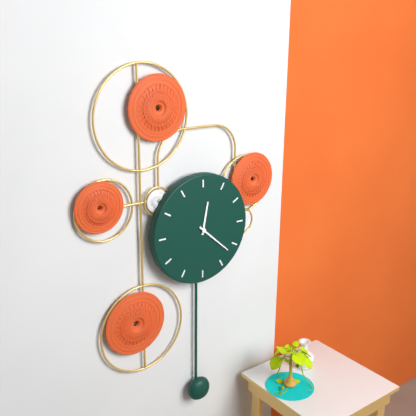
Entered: **12:22**
